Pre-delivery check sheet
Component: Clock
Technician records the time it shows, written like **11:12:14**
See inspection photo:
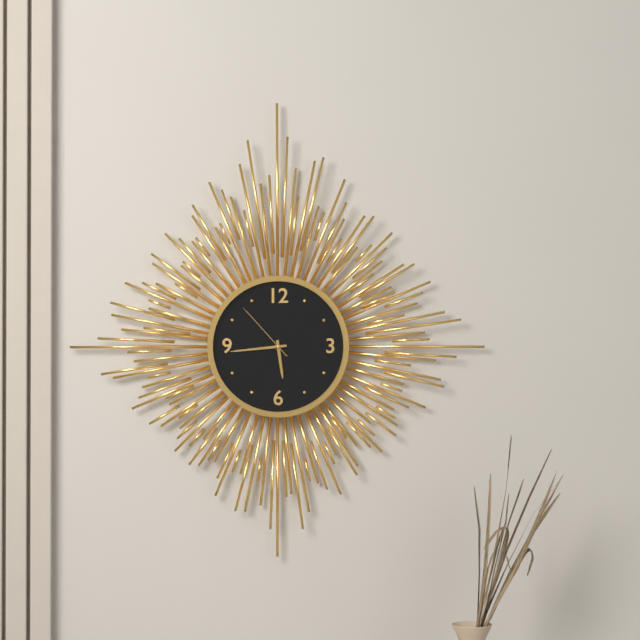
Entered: **5:44:53**
